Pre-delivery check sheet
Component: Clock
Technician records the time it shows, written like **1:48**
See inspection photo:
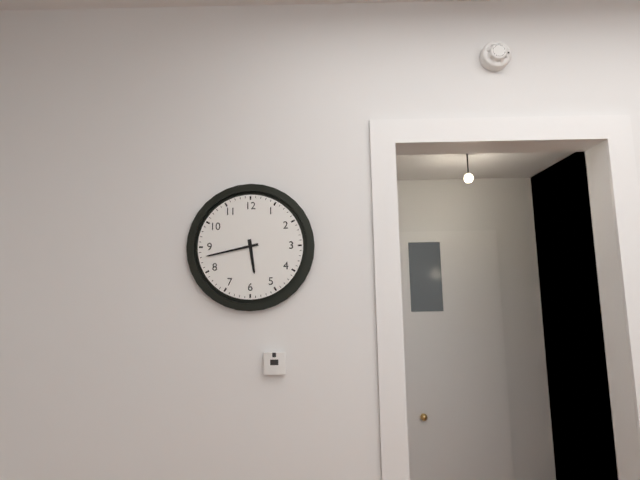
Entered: **5:43**
